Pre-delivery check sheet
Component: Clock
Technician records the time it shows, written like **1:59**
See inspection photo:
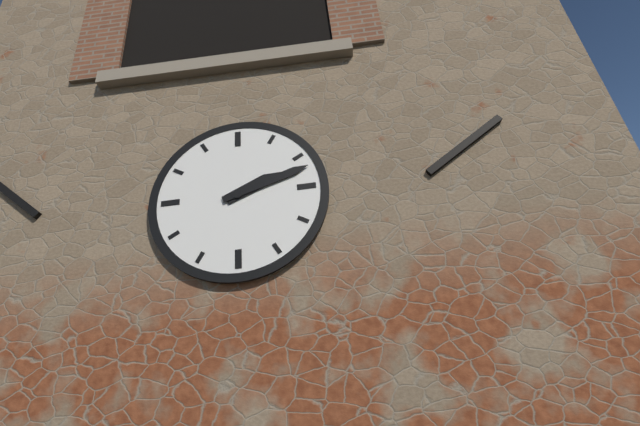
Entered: **2:12**
